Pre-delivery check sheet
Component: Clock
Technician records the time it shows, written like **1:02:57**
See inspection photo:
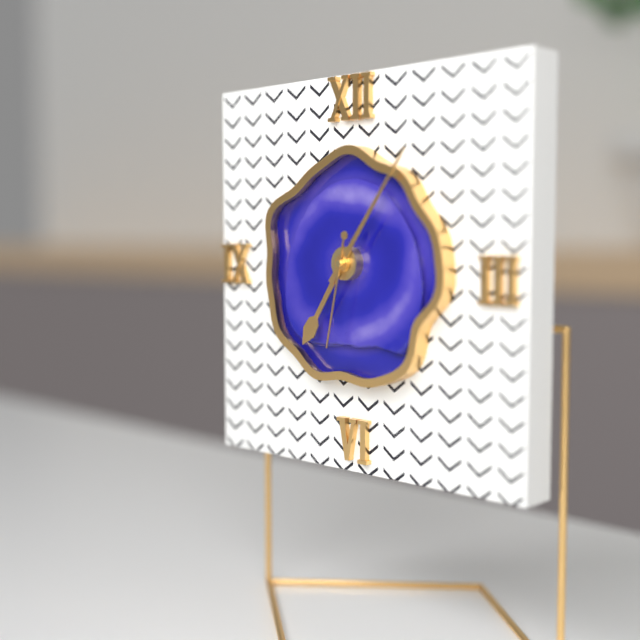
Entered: **7:06:32**
